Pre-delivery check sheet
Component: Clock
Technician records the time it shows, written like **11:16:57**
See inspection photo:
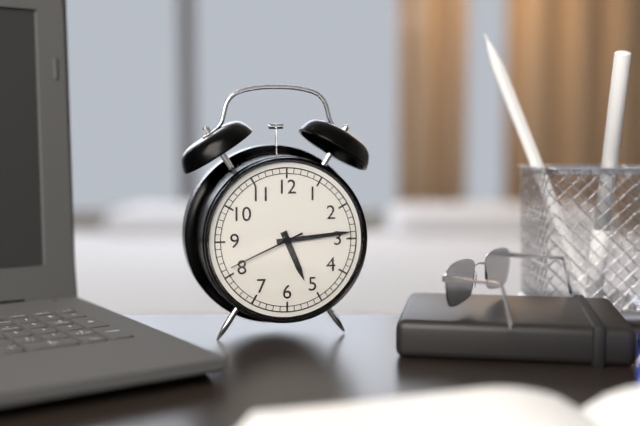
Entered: **5:14:41**
